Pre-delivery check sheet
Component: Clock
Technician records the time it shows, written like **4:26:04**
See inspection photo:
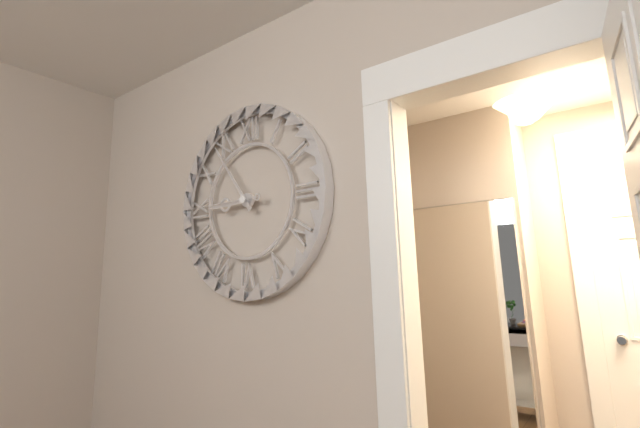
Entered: **8:54:45**
